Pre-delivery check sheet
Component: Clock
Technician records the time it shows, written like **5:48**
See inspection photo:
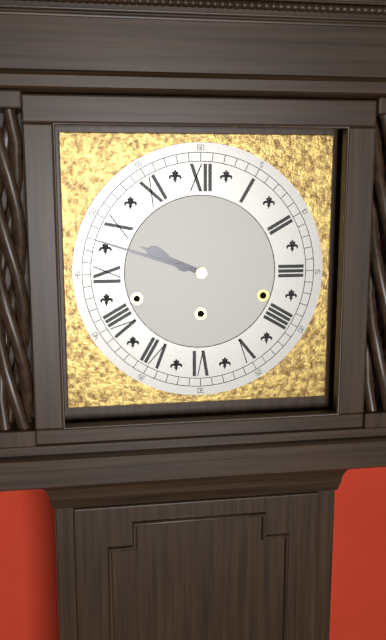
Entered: **9:48**
